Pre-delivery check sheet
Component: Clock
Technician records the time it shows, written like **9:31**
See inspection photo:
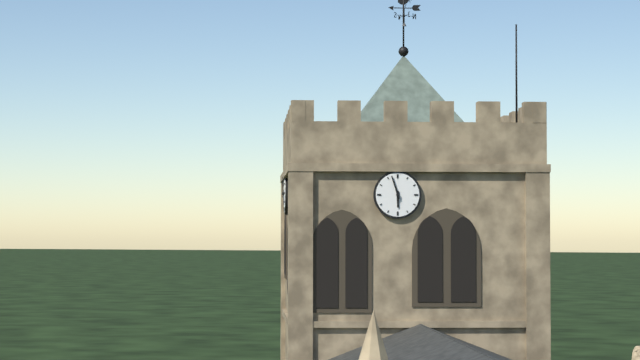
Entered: **5:57**
